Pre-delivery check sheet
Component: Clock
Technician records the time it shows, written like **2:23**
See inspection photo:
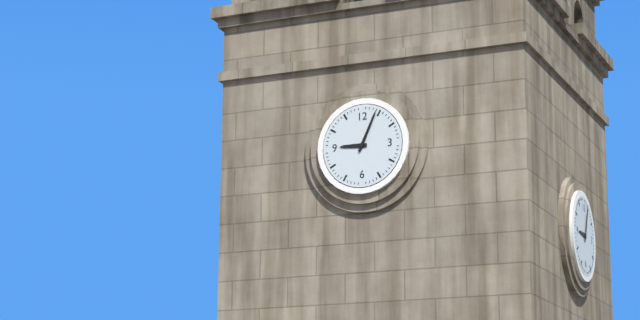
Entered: **9:04**
